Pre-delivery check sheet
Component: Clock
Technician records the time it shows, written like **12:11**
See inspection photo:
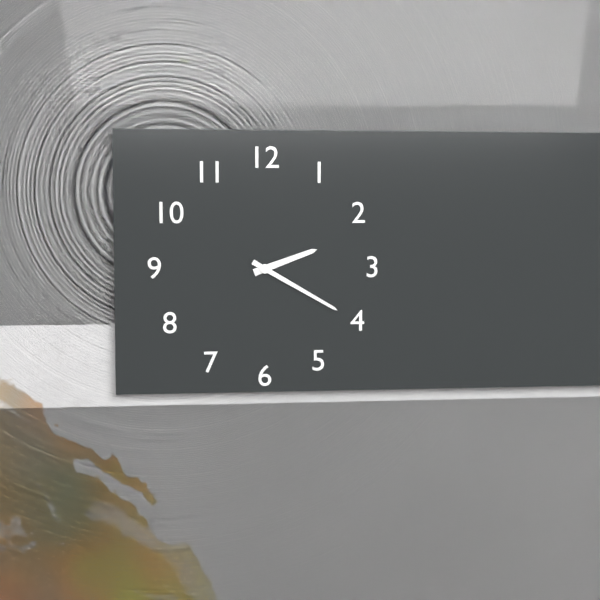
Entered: **2:20**
